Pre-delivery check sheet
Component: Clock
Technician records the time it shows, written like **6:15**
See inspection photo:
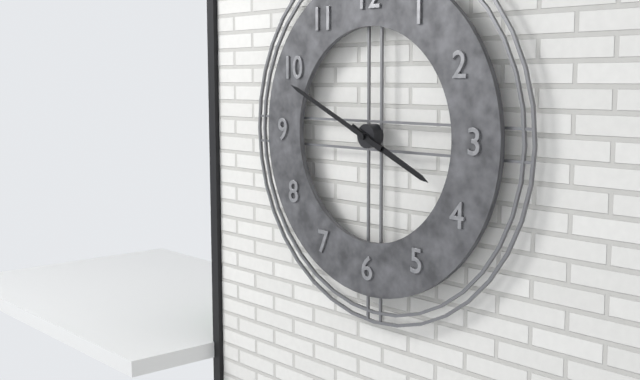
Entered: **3:49**
